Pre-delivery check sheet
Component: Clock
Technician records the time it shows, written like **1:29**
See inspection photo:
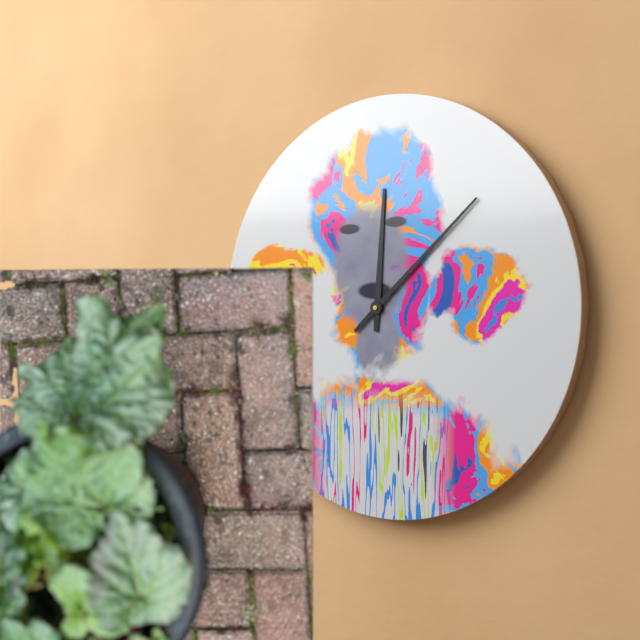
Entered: **12:08**
